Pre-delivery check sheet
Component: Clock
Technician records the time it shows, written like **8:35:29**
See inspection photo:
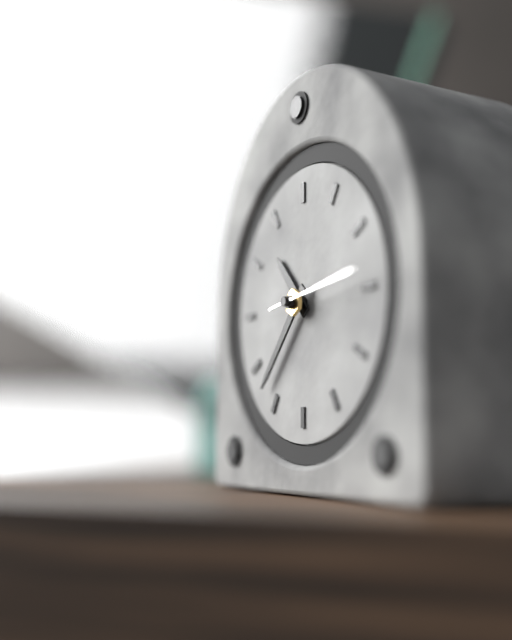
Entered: **10:37:14**
